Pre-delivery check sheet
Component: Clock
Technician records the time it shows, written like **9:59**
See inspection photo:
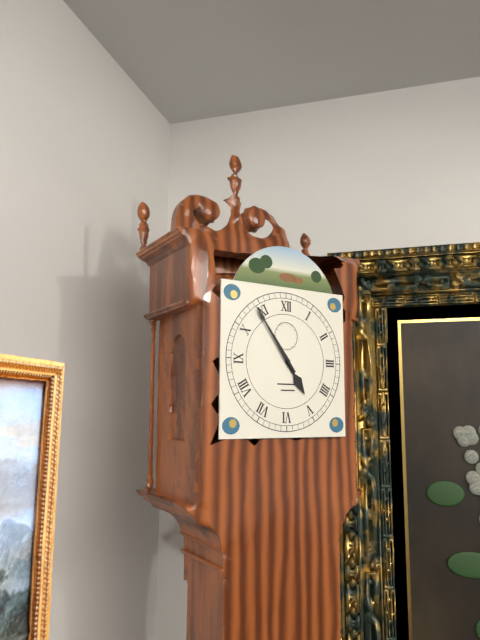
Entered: **4:54**
